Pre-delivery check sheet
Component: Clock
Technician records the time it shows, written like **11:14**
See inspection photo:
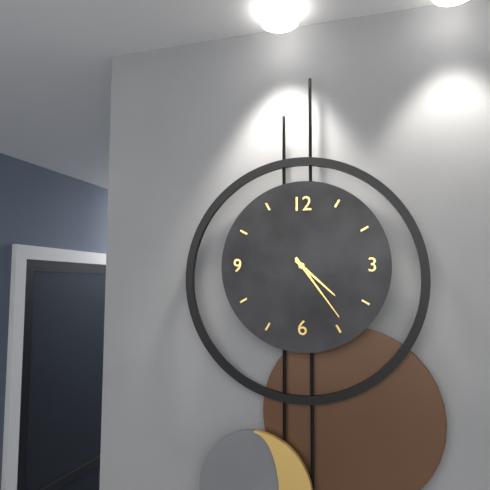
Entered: **4:24**
